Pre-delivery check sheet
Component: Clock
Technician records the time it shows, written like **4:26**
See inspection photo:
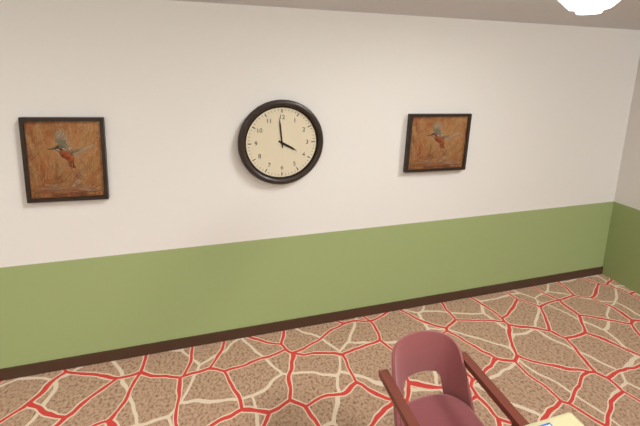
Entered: **3:59**
